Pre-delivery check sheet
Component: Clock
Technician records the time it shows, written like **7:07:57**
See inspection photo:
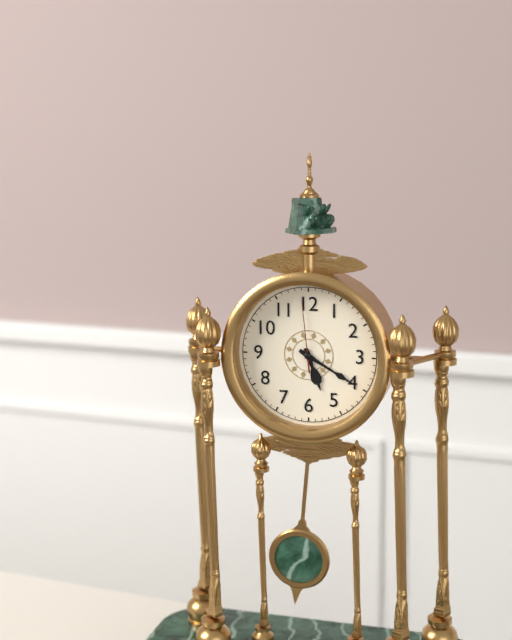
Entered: **5:20:59**
